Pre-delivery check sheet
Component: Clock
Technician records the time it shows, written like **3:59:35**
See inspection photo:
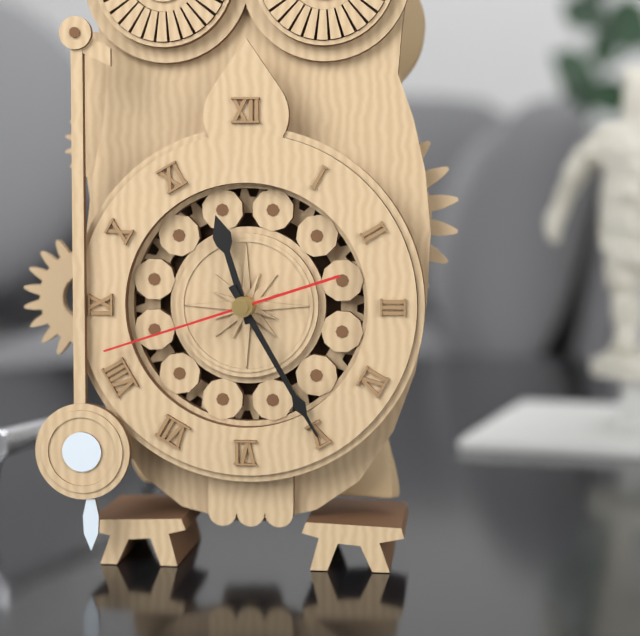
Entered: **11:25:42**
